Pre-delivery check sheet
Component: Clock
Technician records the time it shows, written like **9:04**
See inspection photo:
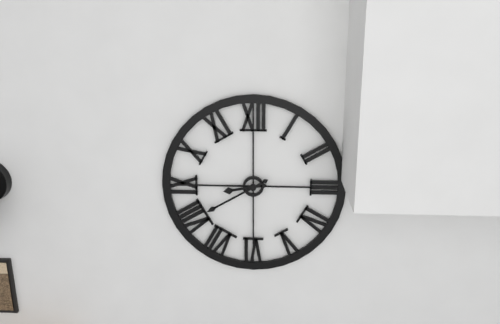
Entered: **8:40**
